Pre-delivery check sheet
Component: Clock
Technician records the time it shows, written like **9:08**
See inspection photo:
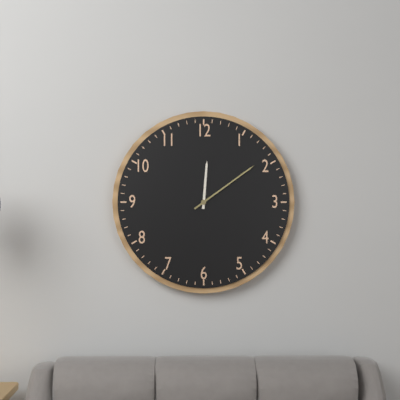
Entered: **12:09**
